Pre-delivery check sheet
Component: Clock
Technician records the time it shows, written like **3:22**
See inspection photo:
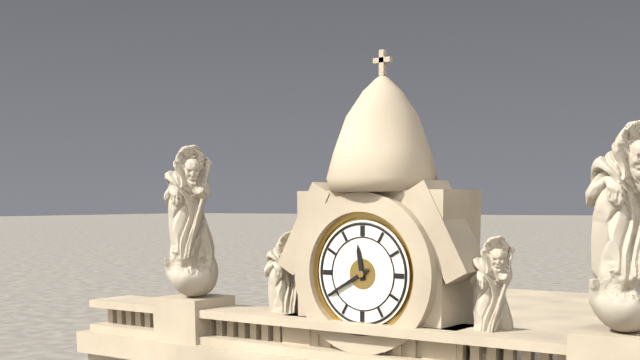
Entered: **11:40**
